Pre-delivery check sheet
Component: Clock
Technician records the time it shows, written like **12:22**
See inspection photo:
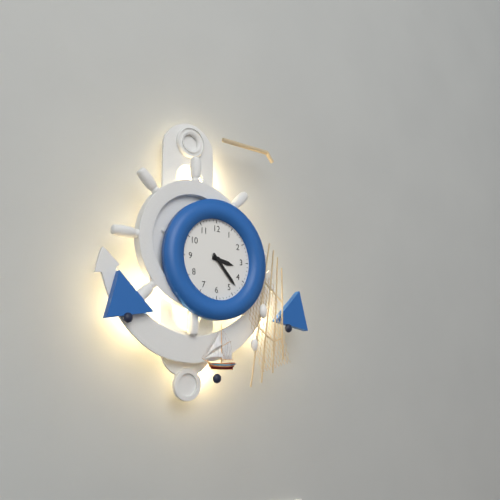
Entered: **3:23**
